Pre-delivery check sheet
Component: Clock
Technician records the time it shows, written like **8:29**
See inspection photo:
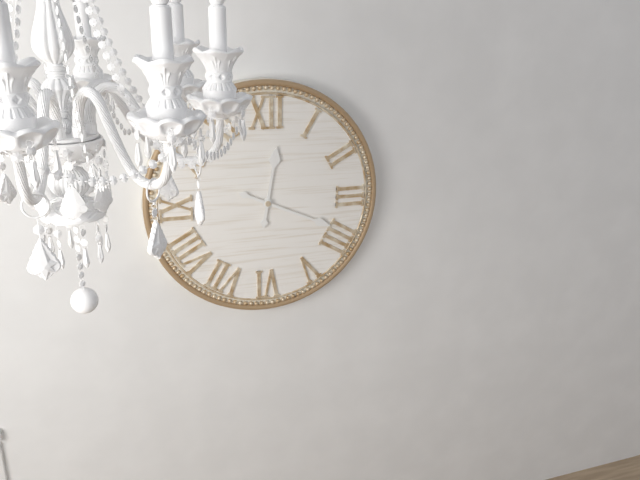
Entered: **12:19**
